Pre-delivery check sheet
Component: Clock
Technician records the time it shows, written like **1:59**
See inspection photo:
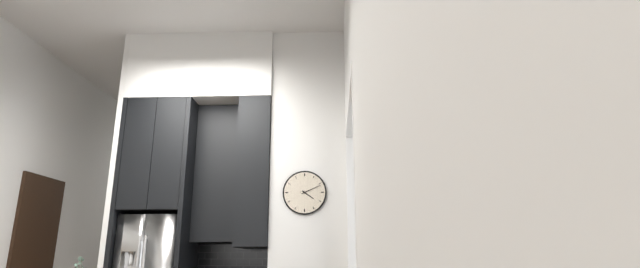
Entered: **4:11**
